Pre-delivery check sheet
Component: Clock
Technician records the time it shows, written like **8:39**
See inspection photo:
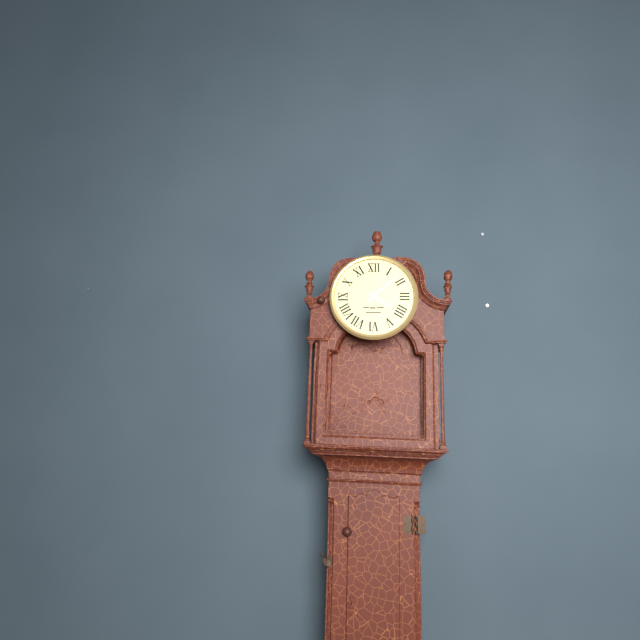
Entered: **4:08**
